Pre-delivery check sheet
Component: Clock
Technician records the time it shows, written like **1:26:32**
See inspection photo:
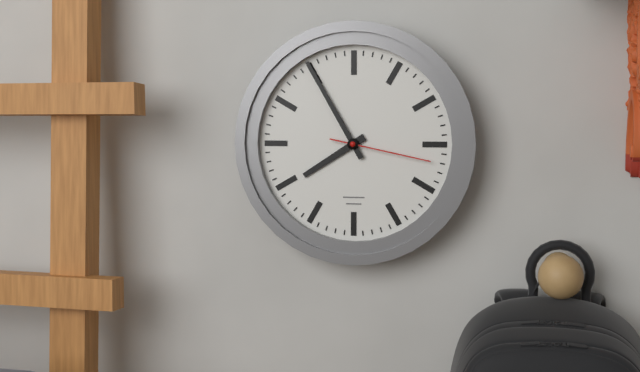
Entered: **7:55:17**
